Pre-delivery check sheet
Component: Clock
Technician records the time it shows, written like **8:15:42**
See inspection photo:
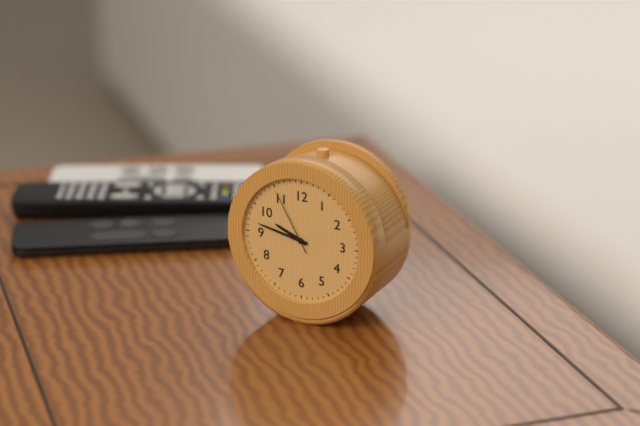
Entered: **9:47:55**
